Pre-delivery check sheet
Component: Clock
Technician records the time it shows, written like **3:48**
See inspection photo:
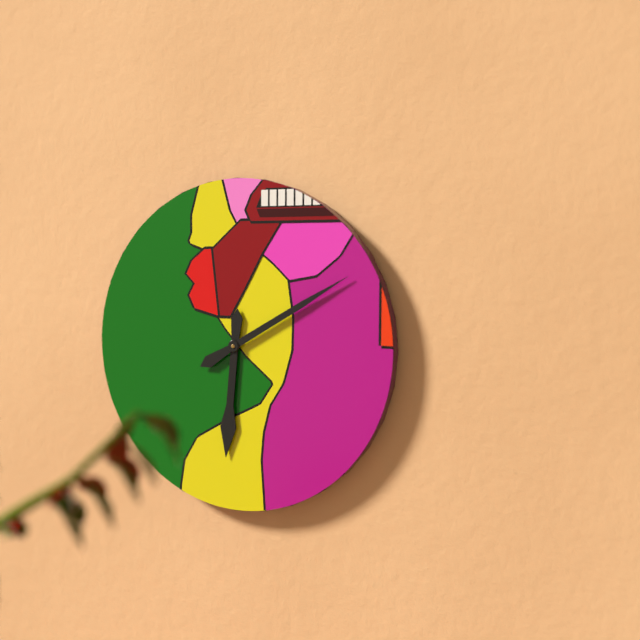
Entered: **6:10**
